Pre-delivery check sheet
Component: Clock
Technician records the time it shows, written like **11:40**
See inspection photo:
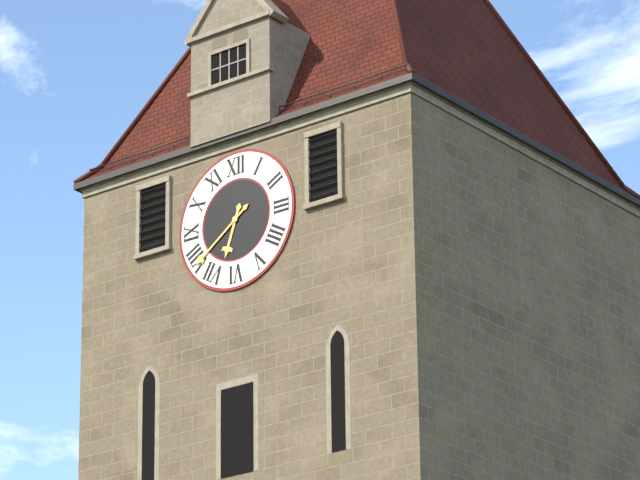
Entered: **6:39**
